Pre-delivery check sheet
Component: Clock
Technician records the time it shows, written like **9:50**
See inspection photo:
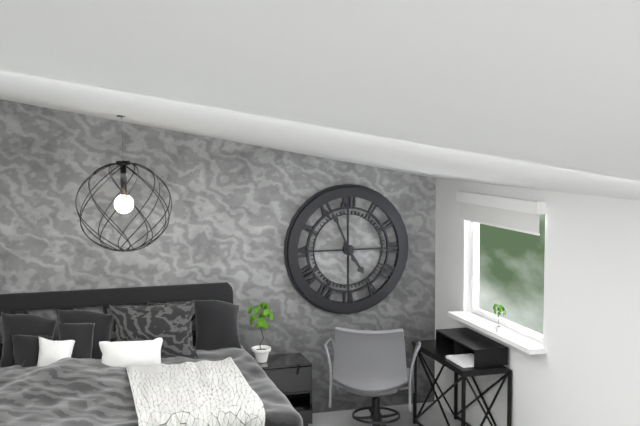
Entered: **4:56**
